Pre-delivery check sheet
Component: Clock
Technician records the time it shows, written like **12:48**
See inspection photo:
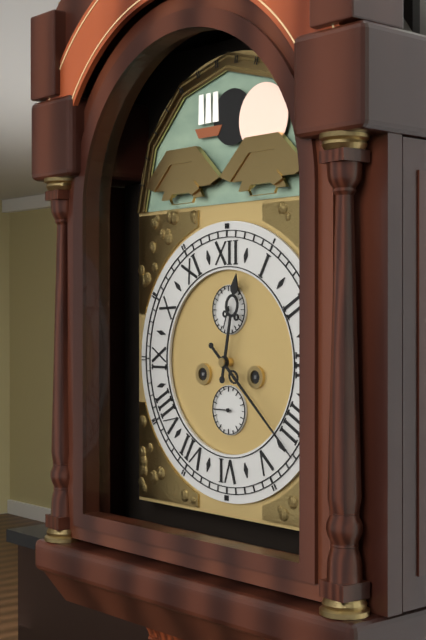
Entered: **12:22**
